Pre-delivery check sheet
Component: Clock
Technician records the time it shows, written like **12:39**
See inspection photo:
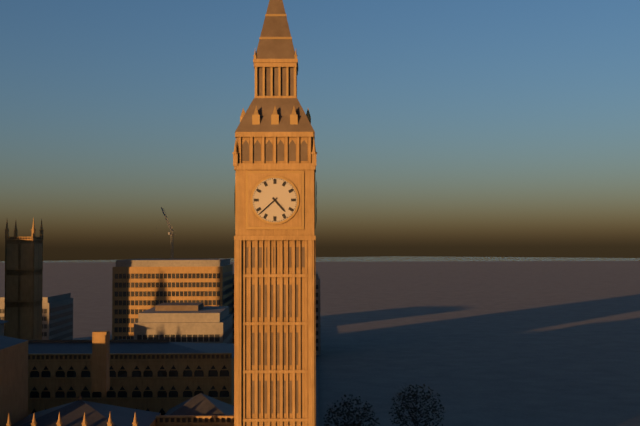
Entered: **4:38**
